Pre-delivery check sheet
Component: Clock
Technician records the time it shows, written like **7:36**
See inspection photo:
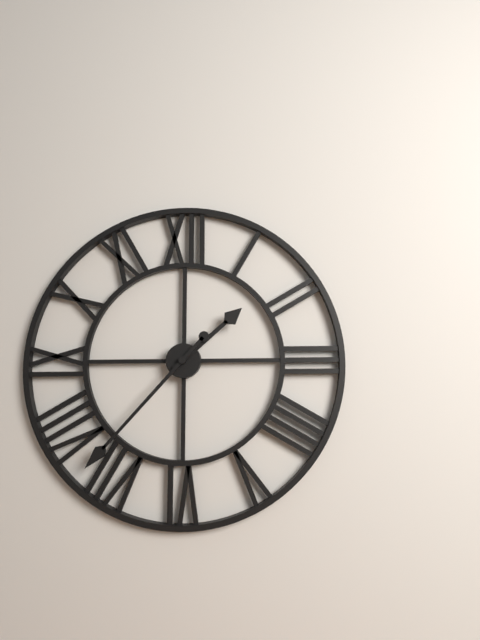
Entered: **1:37**
